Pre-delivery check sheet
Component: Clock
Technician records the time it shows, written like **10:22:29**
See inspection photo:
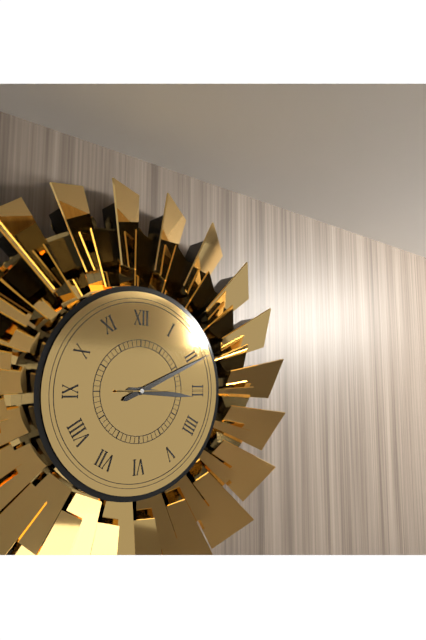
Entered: **3:11:15**
